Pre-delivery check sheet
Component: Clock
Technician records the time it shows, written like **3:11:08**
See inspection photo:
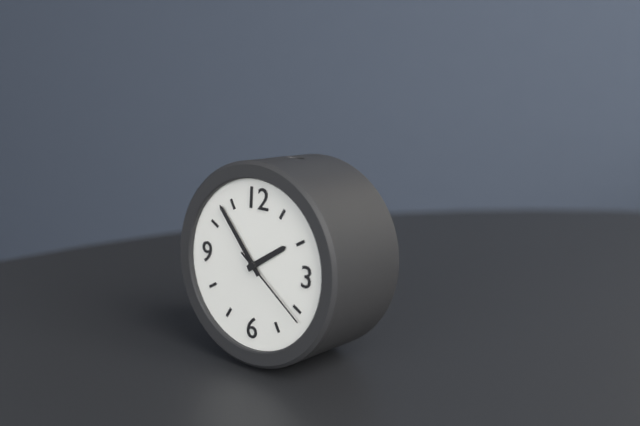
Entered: **1:53:21**
